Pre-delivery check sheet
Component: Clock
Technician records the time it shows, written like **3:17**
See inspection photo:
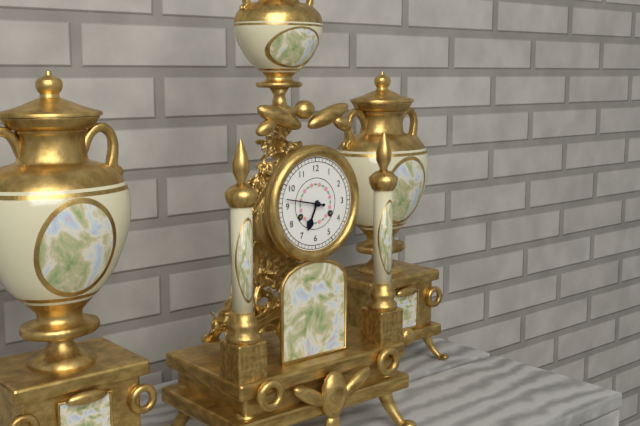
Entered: **6:47**
